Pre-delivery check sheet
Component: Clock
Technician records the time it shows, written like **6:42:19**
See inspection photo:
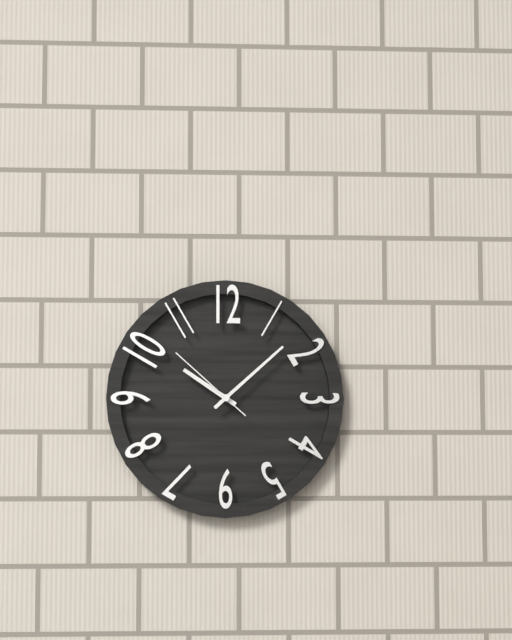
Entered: **10:08:52**
